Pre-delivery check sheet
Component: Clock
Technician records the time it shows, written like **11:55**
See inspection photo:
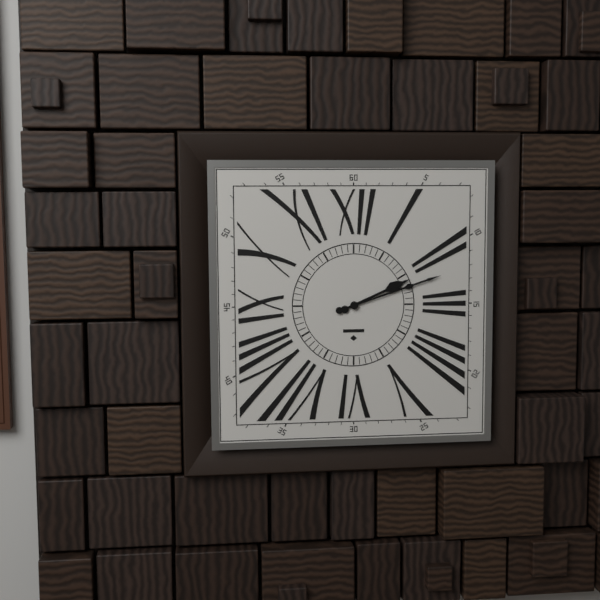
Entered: **2:12**
